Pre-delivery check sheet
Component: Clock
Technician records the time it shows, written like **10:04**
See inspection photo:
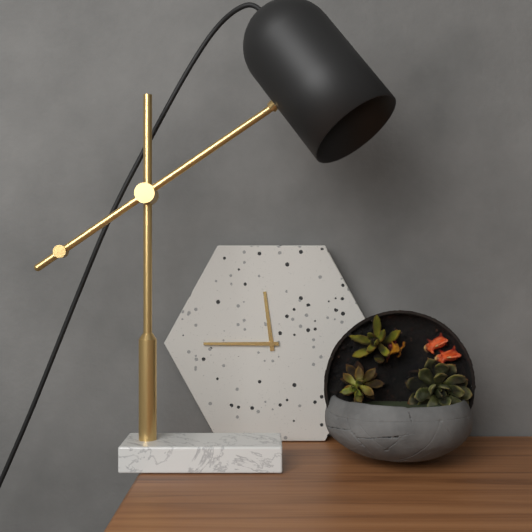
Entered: **11:45**
